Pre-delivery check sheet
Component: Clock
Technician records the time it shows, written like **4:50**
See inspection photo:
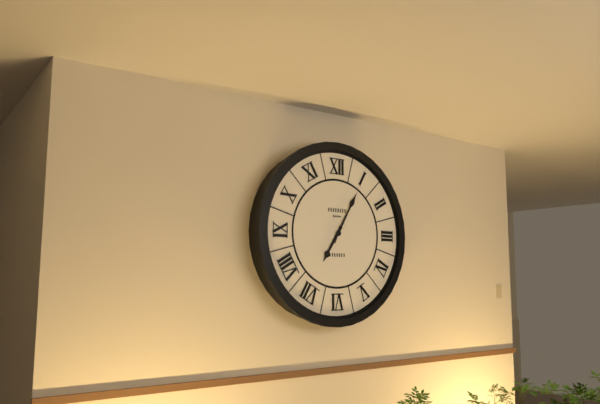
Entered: **7:05**
